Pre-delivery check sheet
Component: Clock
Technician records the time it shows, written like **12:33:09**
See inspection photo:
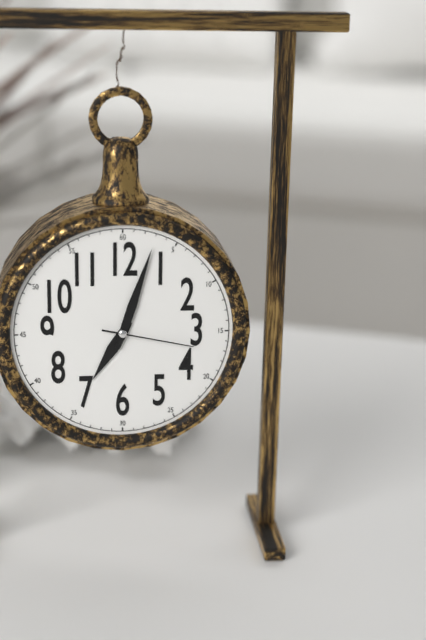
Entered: **7:03:17**
